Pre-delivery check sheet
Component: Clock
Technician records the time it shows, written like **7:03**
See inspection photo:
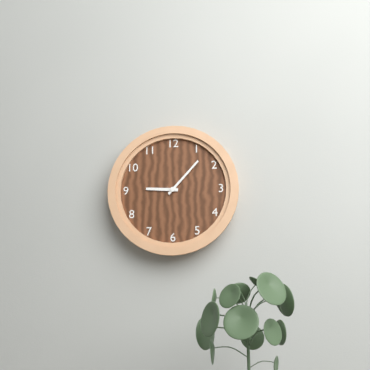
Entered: **9:07**
